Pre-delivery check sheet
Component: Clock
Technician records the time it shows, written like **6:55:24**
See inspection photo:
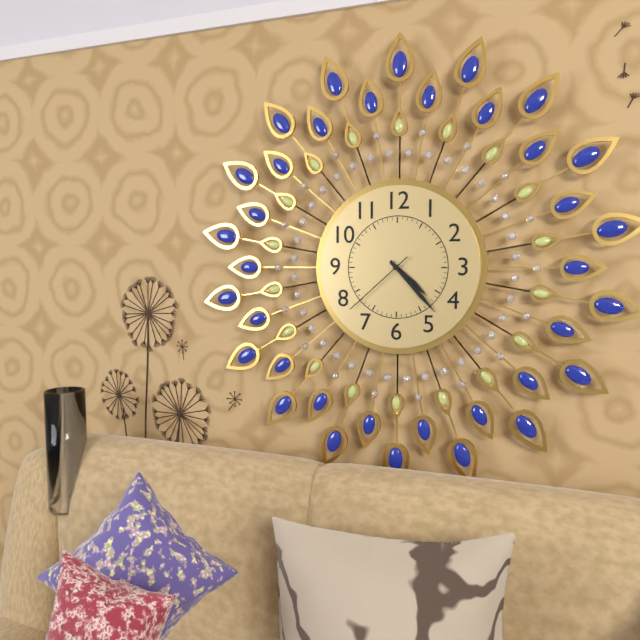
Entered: **4:23:38**
